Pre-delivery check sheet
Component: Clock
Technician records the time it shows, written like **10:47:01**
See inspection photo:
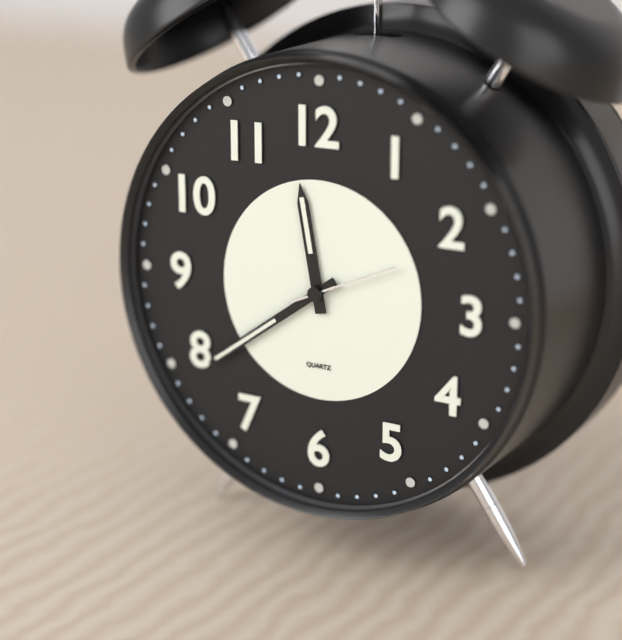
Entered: **11:39:11**
